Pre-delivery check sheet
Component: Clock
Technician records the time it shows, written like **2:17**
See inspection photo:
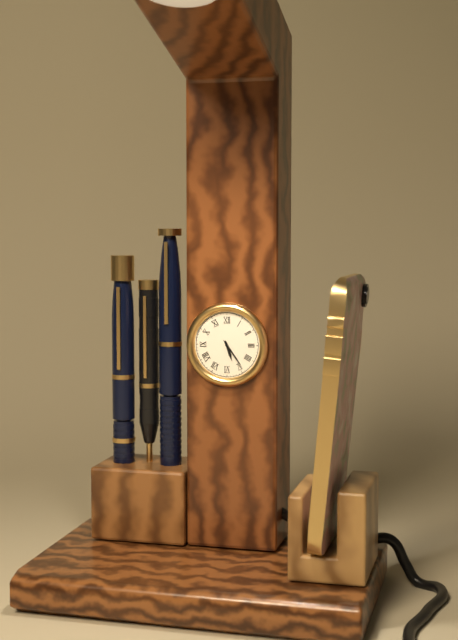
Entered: **5:24**
